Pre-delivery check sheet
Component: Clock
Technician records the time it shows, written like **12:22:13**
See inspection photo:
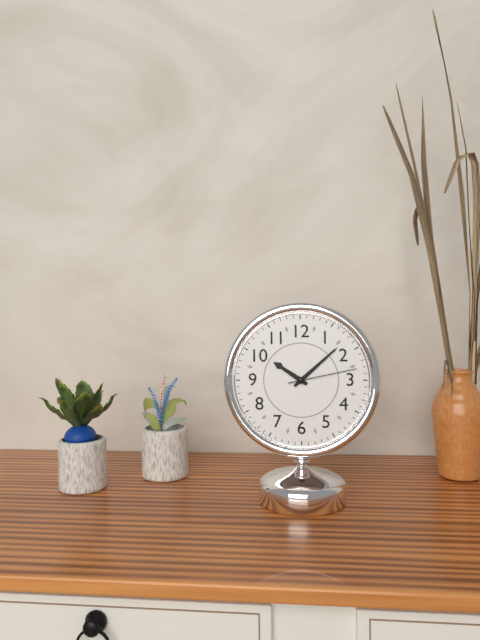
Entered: **10:08:13**
